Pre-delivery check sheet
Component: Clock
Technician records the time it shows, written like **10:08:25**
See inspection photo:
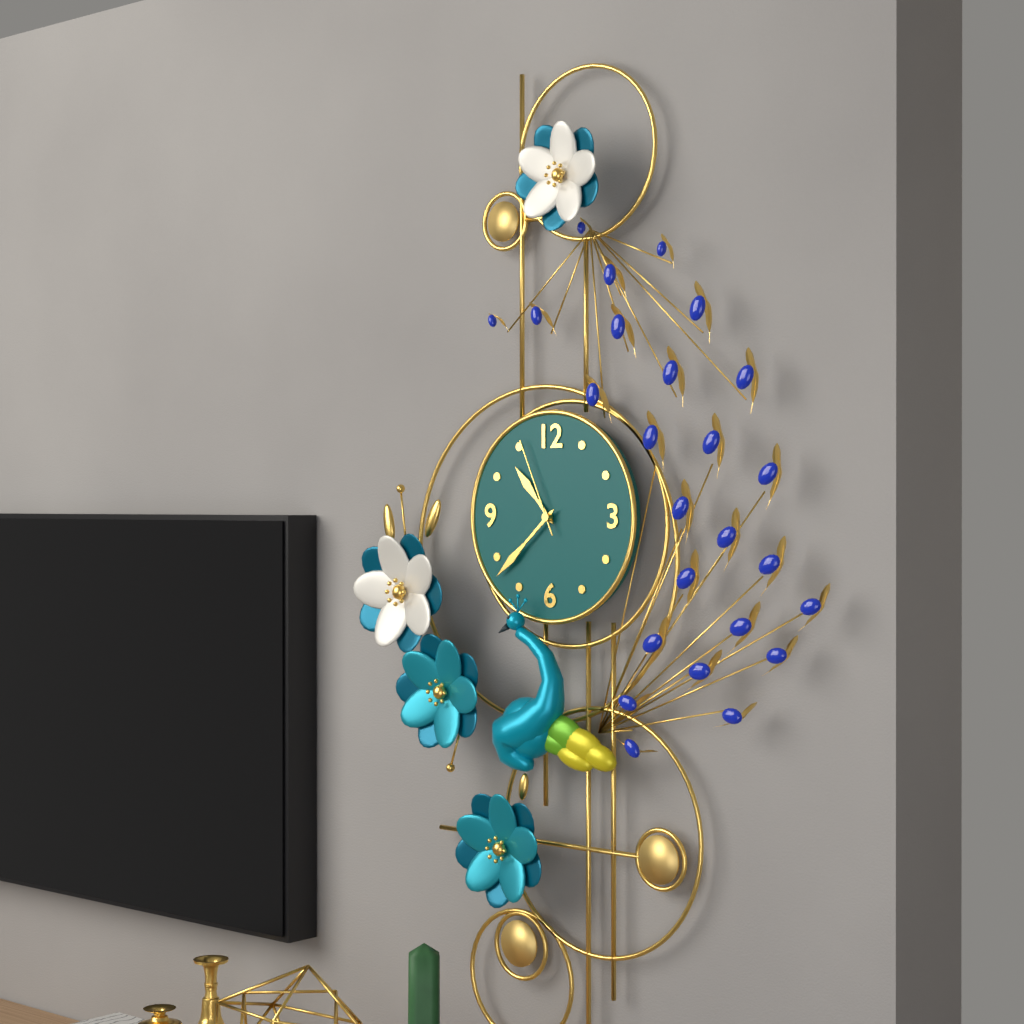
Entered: **10:38:56**
